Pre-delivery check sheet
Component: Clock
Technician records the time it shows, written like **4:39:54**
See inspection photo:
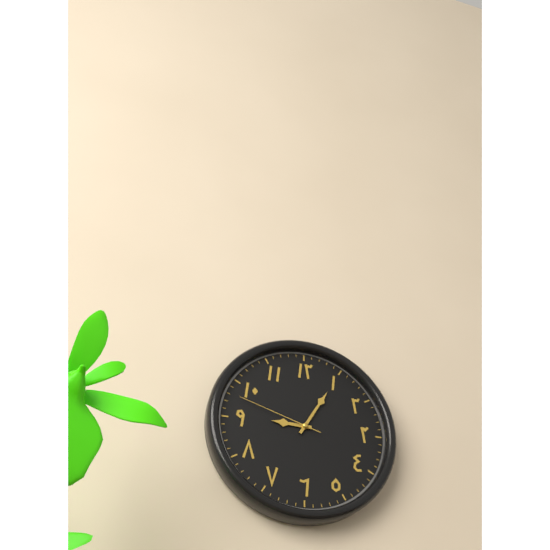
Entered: **9:05:48**
